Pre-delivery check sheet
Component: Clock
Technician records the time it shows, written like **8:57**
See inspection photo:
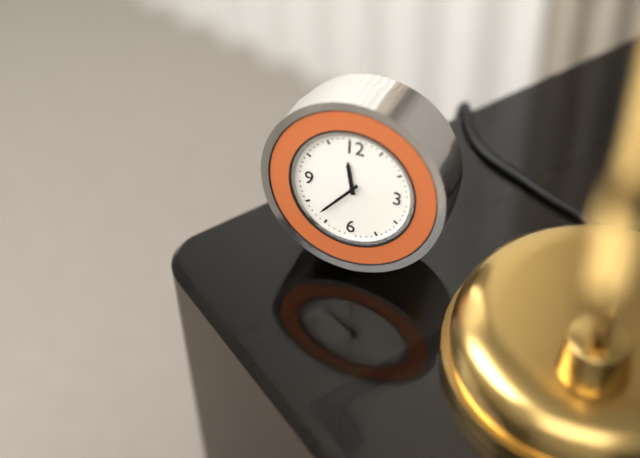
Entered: **11:37**
